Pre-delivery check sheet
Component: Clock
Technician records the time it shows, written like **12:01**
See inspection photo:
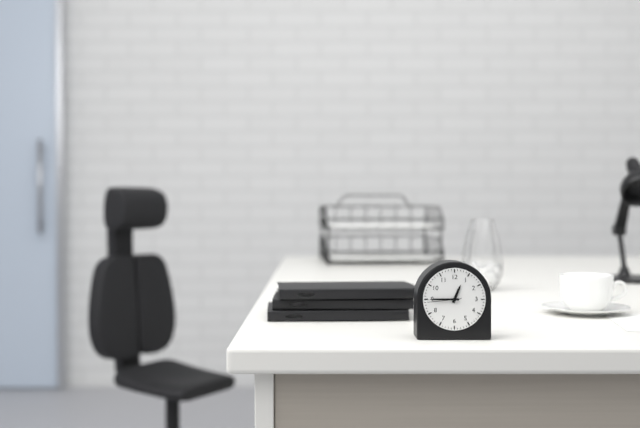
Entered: **12:45**
